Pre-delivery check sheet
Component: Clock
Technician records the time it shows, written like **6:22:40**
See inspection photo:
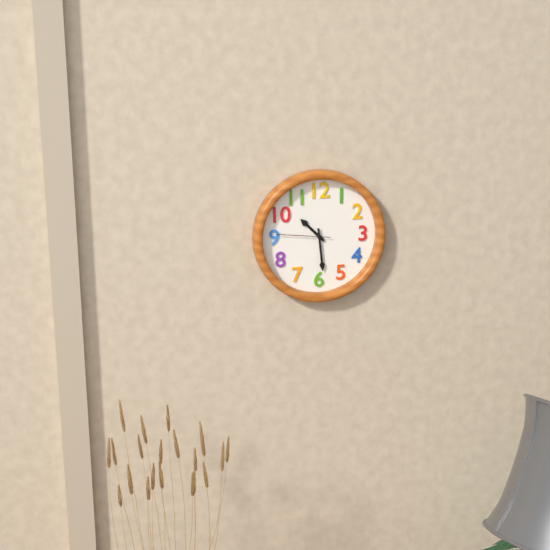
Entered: **10:29:46**
